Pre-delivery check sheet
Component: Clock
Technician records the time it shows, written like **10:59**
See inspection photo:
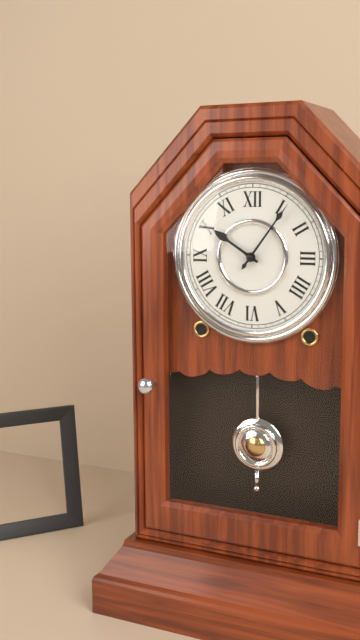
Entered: **10:06**
